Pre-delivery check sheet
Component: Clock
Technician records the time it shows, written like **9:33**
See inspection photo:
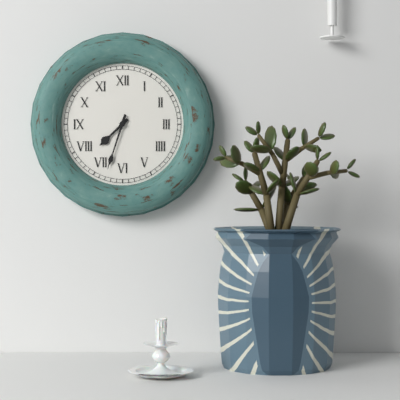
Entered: **7:33**
